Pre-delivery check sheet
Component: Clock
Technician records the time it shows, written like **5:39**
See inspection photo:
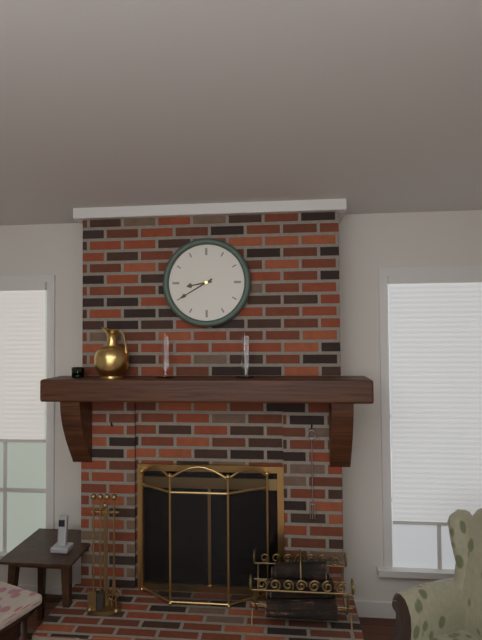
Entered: **8:40**
